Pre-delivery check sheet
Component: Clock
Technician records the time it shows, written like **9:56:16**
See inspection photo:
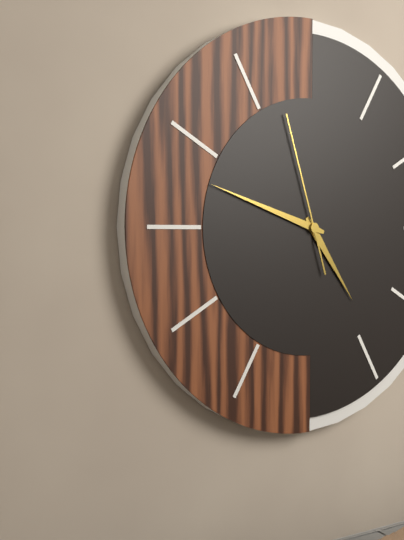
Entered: **4:48:57**
